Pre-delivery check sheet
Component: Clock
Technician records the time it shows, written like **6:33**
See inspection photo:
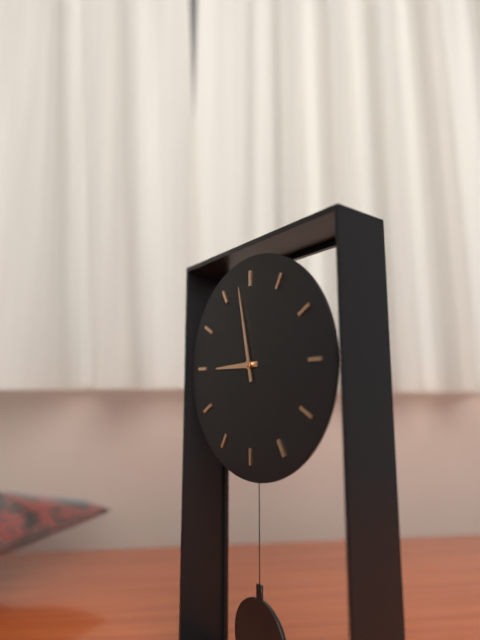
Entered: **8:58**
